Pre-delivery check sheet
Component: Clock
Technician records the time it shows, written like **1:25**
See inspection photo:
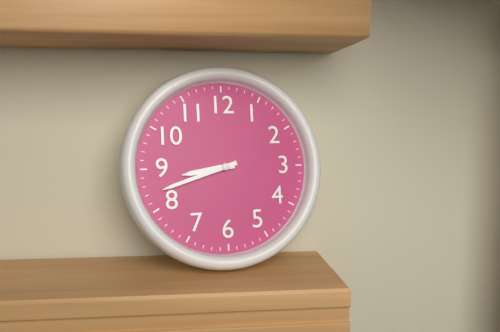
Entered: **8:42**
